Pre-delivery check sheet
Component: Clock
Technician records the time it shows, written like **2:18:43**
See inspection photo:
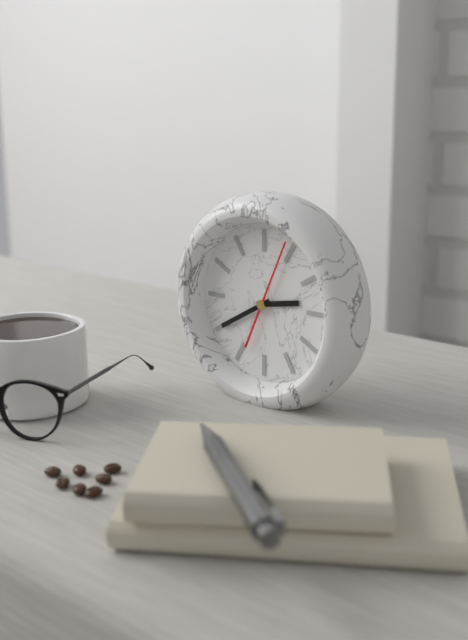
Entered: **2:40:04**
